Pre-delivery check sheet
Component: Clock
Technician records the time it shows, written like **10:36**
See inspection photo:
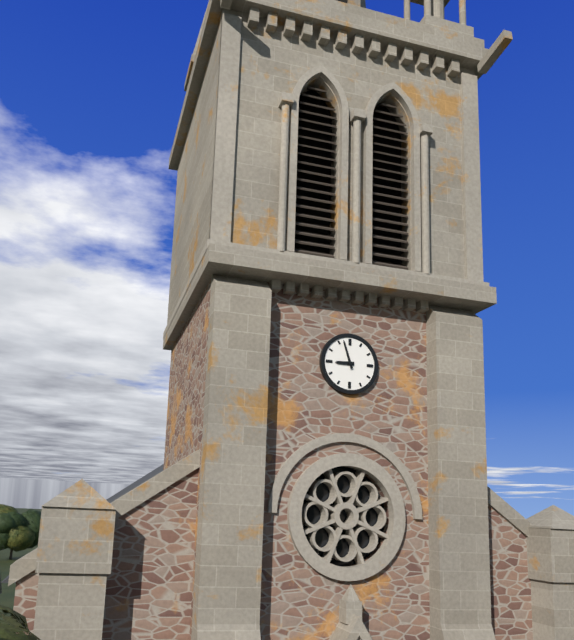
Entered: **8:57**
